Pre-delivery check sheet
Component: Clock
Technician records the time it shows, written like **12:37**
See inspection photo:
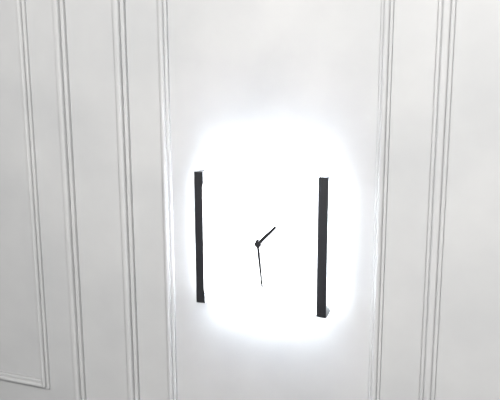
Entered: **1:29**
